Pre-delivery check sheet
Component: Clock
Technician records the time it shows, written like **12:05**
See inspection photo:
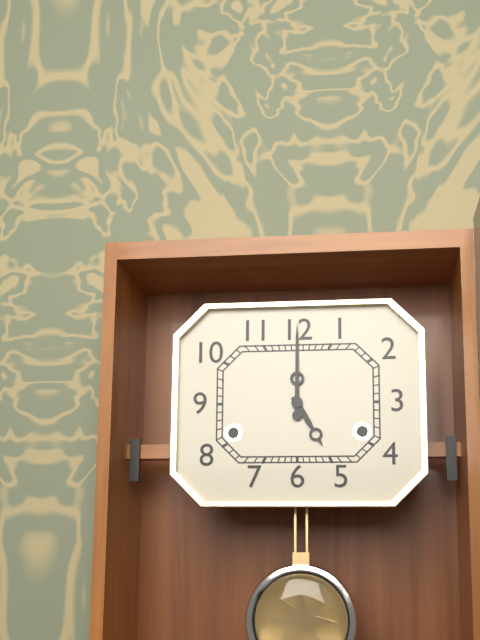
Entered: **5:00**
